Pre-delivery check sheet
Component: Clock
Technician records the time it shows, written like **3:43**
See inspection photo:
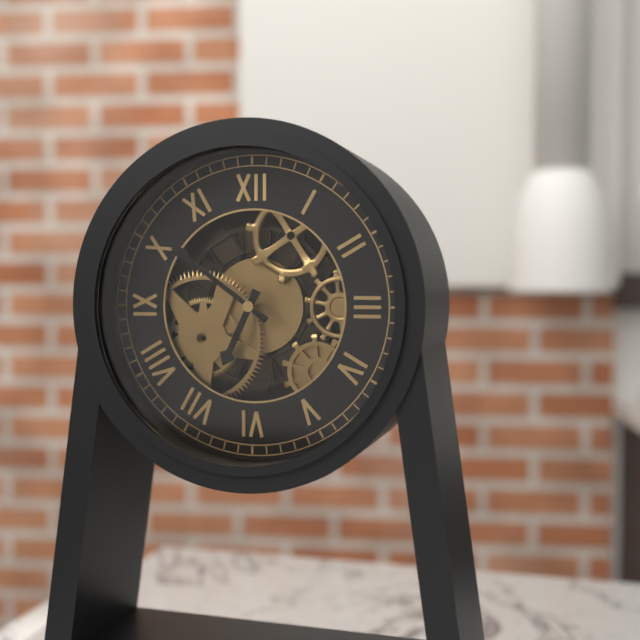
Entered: **6:51**
